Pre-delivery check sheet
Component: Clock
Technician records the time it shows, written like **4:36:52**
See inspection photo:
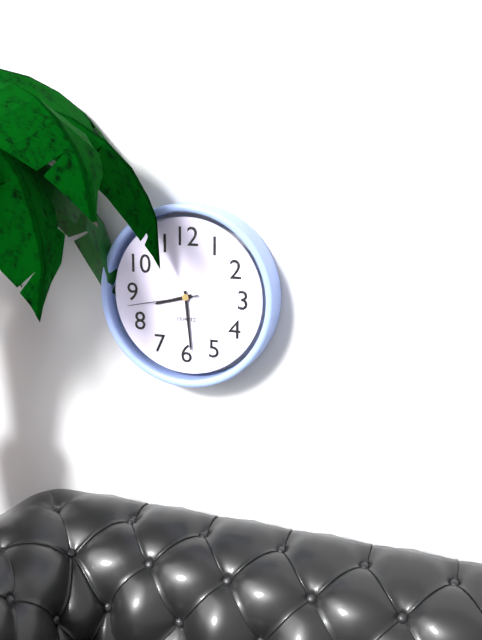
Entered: **8:29:43**
